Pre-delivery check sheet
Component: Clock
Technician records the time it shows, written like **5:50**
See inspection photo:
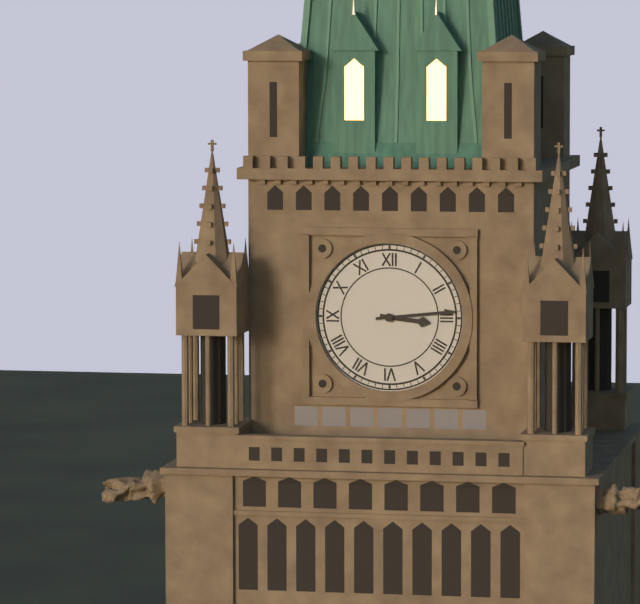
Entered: **3:14**
